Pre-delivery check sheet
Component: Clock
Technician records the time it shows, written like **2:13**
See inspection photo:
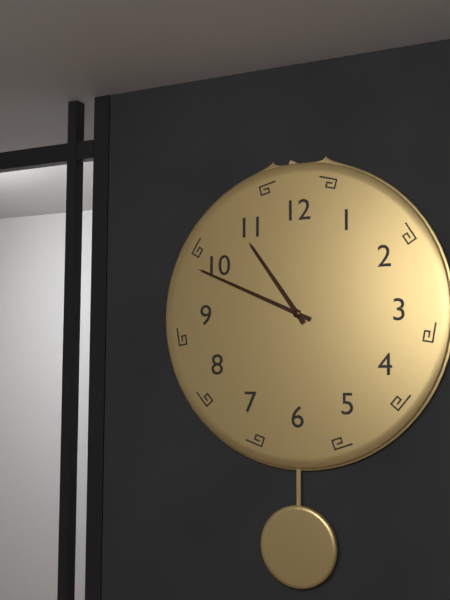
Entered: **10:49**
